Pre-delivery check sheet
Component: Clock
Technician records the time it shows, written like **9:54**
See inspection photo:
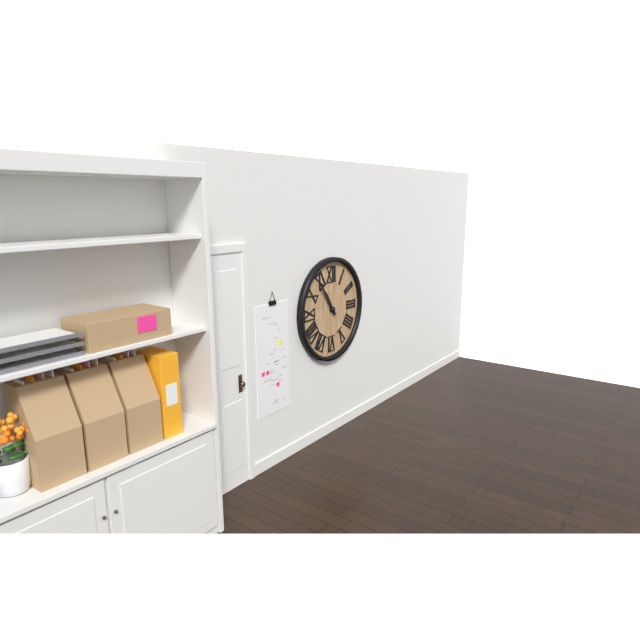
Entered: **10:54**
